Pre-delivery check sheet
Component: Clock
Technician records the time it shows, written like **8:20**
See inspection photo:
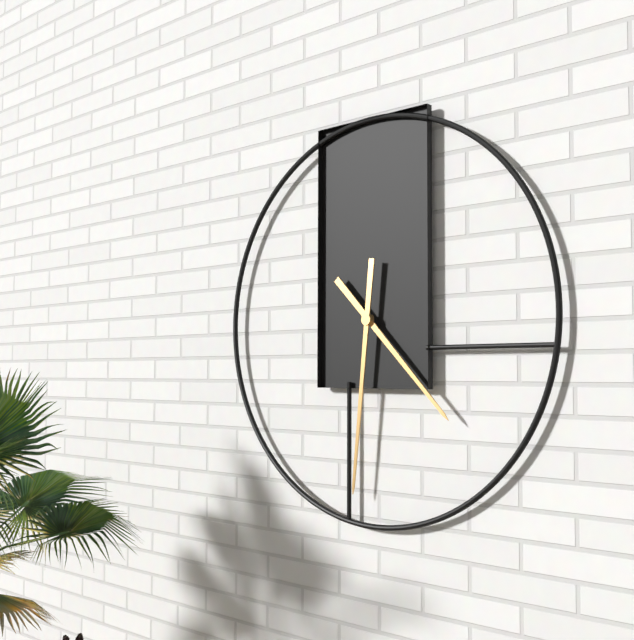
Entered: **4:31**
